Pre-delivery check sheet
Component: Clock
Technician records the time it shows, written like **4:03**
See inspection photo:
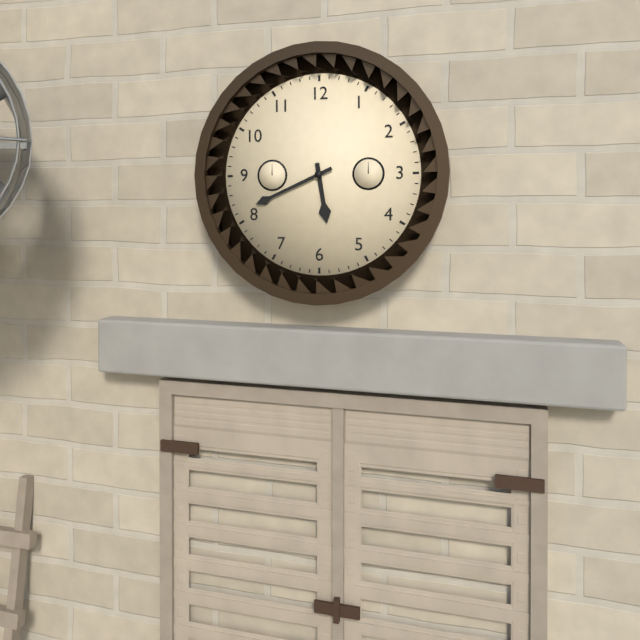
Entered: **5:41**
